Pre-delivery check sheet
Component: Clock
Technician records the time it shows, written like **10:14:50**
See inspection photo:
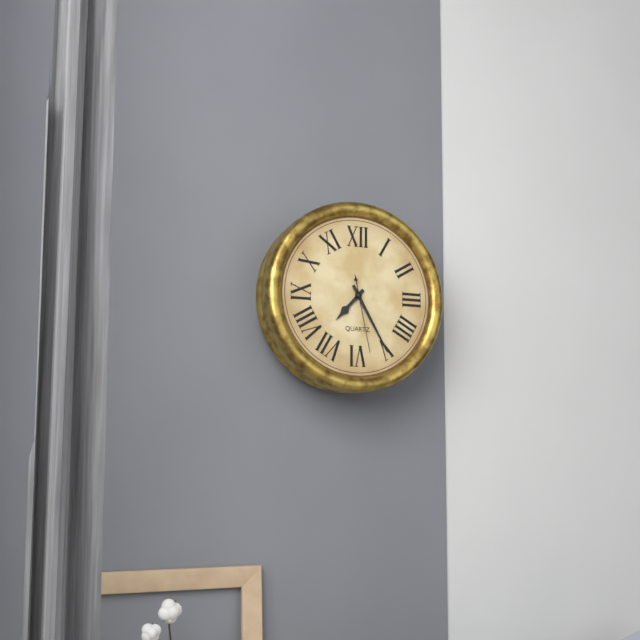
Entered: **7:25:28**
